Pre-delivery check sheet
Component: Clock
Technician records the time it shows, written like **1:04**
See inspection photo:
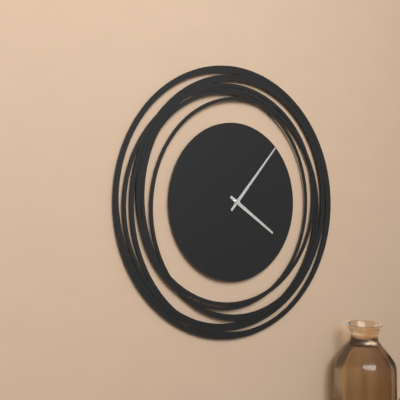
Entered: **4:07**
